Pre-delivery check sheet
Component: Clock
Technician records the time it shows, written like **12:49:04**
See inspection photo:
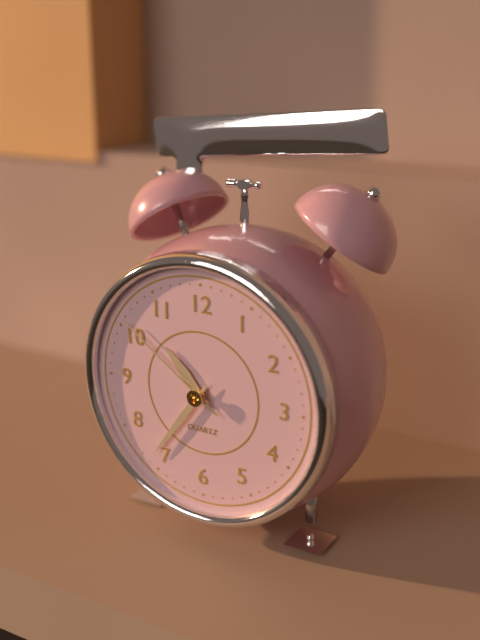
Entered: **10:36:51**
